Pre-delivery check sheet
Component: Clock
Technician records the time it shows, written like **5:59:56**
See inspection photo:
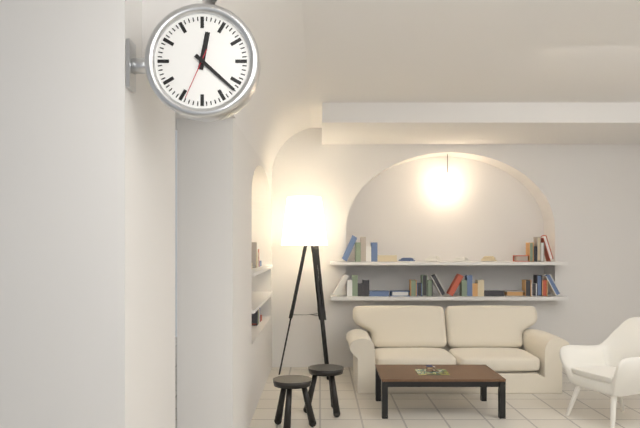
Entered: **12:22:34**
